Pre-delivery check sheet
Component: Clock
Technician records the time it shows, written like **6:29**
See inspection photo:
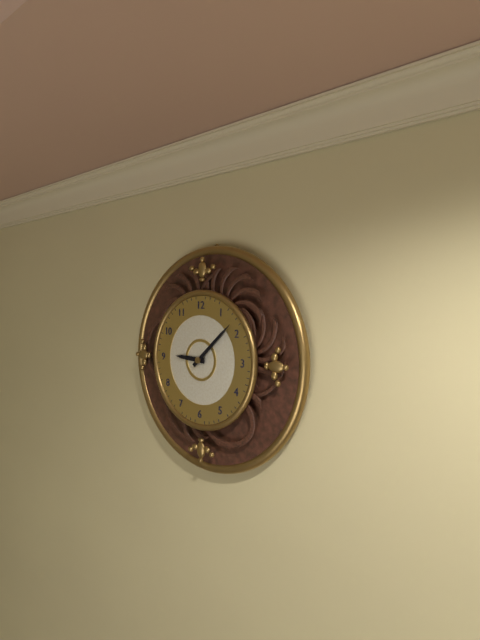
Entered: **9:08**
